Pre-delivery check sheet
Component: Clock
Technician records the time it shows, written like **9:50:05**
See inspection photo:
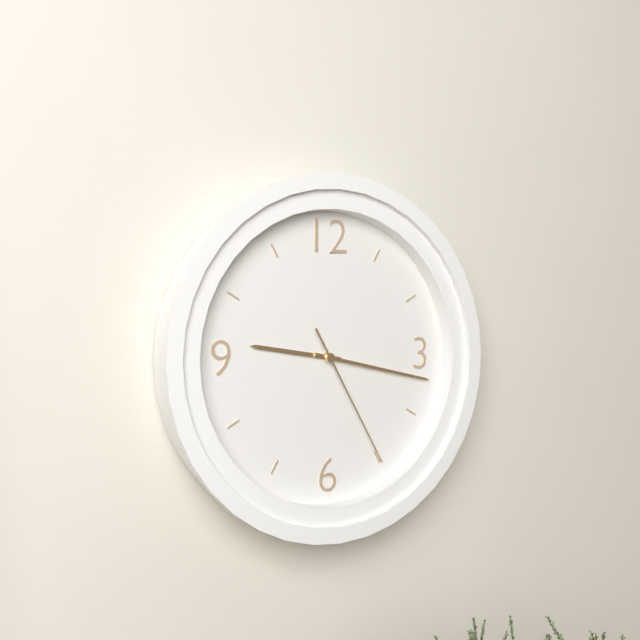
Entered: **9:17:25**
